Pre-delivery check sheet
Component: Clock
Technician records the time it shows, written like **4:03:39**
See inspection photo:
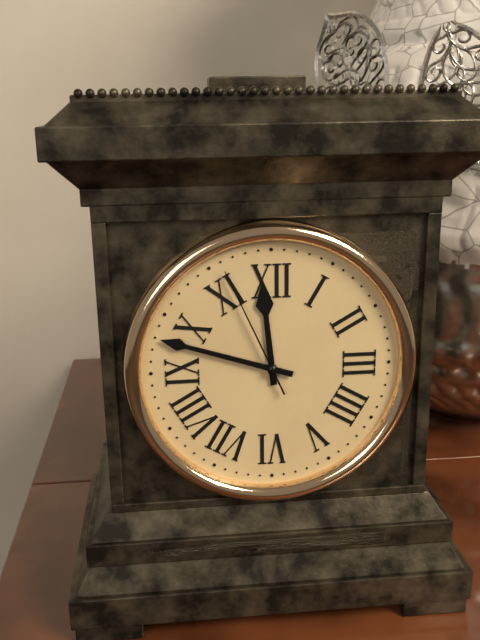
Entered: **11:48:56**
